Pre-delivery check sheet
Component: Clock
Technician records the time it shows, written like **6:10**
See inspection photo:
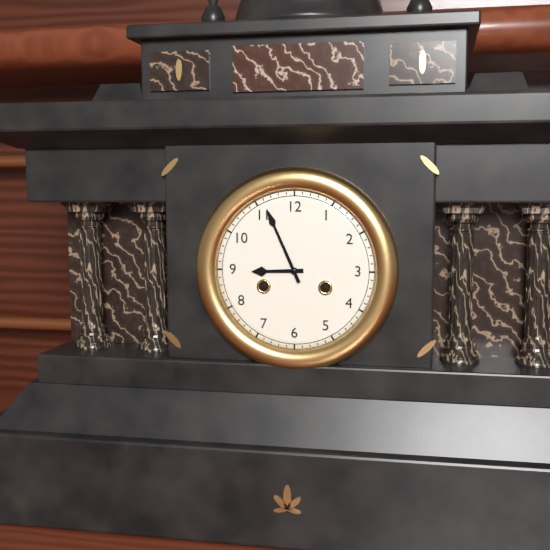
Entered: **8:56**
